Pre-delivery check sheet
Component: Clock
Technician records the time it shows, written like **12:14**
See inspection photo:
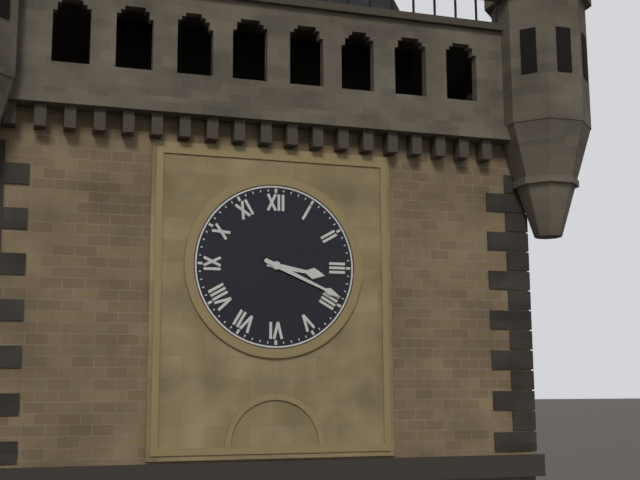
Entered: **3:19**
